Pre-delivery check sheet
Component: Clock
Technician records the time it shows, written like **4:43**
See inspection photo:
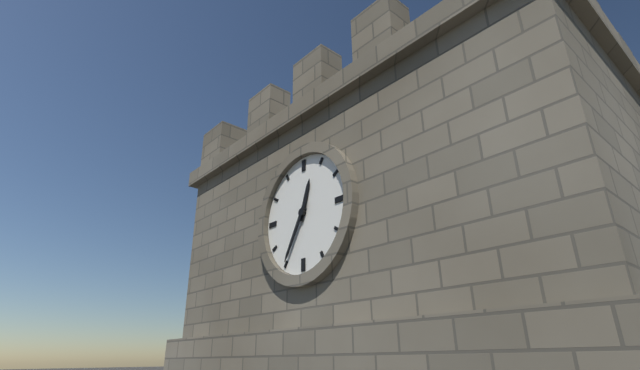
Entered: **12:35**
